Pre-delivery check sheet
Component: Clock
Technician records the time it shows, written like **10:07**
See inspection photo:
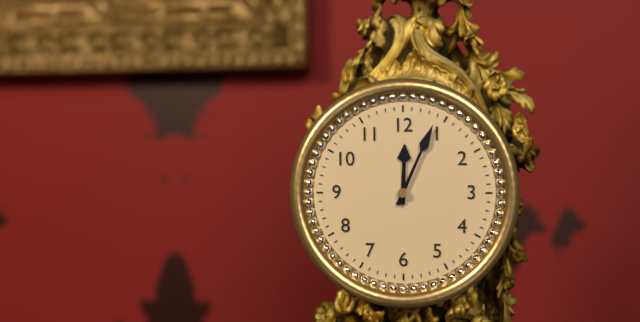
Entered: **12:04**
